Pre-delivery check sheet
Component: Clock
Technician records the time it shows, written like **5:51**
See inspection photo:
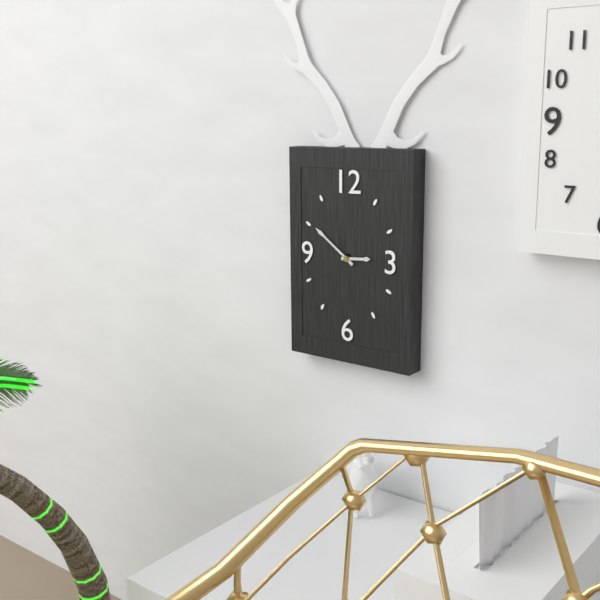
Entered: **2:51**
